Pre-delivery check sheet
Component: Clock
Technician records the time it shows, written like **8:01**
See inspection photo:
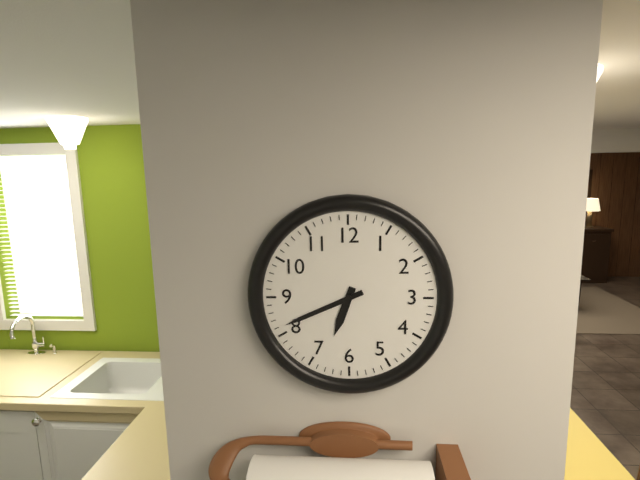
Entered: **6:41**
